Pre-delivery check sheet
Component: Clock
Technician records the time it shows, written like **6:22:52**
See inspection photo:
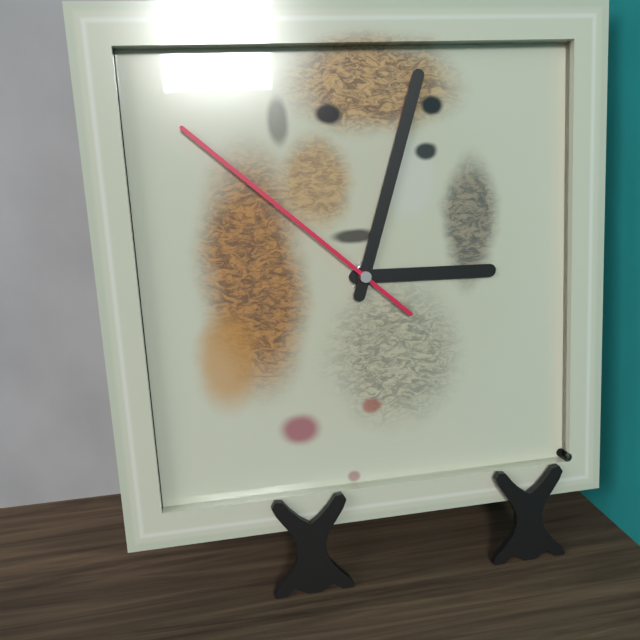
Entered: **3:03:52**
